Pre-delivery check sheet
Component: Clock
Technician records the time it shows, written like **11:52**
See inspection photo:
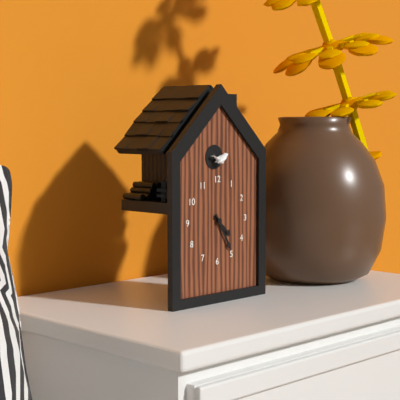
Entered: **4:25**
